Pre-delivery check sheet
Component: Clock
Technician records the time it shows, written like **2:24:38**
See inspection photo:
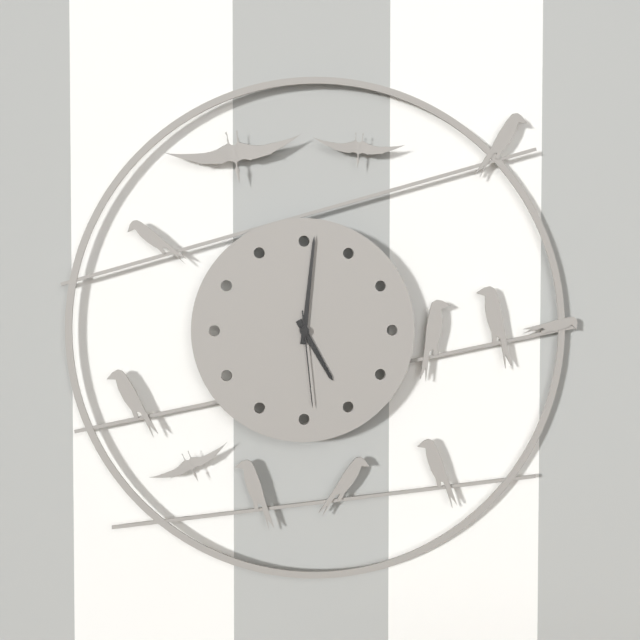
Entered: **5:01:29**
